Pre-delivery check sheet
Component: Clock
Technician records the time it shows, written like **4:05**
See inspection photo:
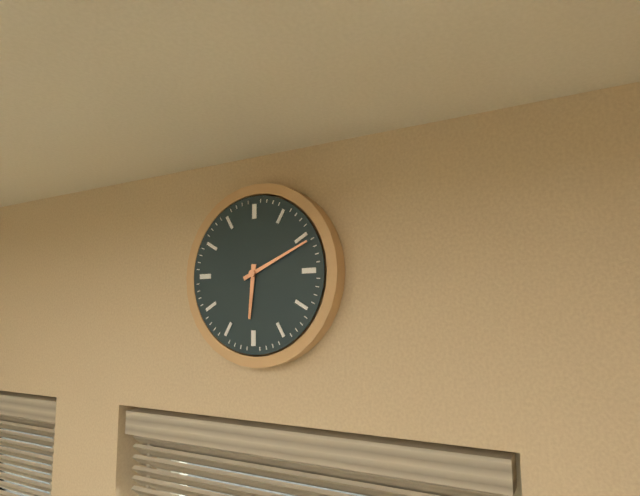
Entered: **6:11**
